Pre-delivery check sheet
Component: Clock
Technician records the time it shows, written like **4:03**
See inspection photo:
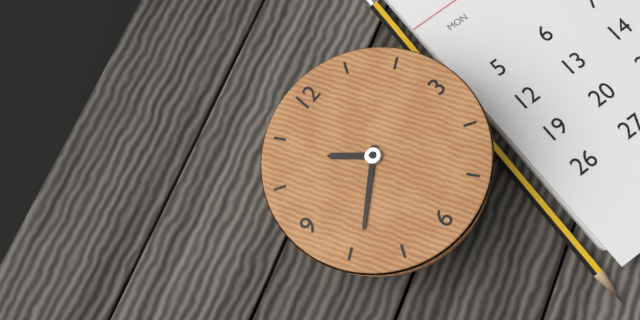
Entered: **10:39**
